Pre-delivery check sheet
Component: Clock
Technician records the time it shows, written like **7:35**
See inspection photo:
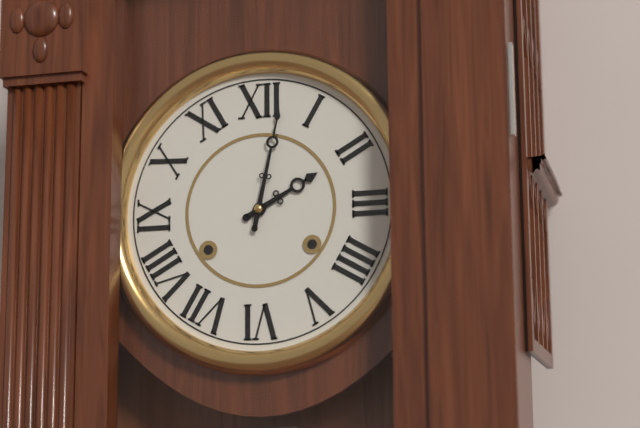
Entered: **2:02**
